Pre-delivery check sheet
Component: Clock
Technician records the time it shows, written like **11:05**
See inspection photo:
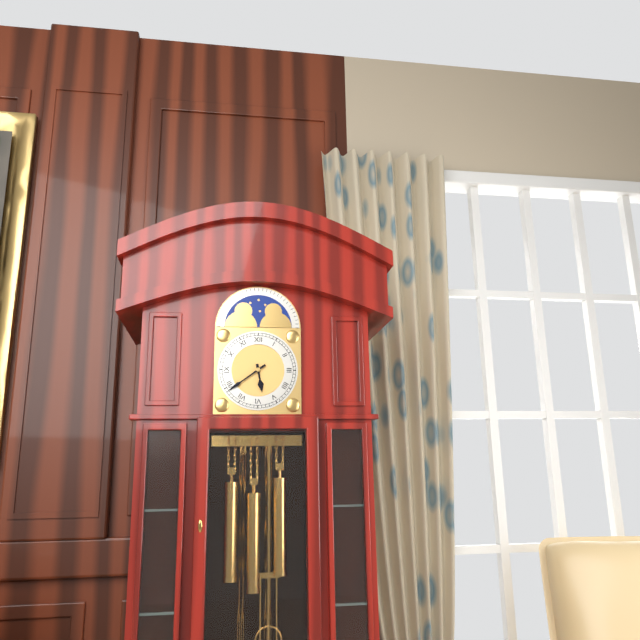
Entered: **5:39**
